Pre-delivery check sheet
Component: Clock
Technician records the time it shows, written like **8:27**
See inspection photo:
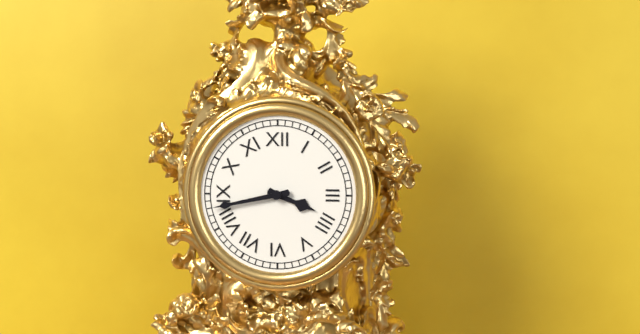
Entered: **3:43**
